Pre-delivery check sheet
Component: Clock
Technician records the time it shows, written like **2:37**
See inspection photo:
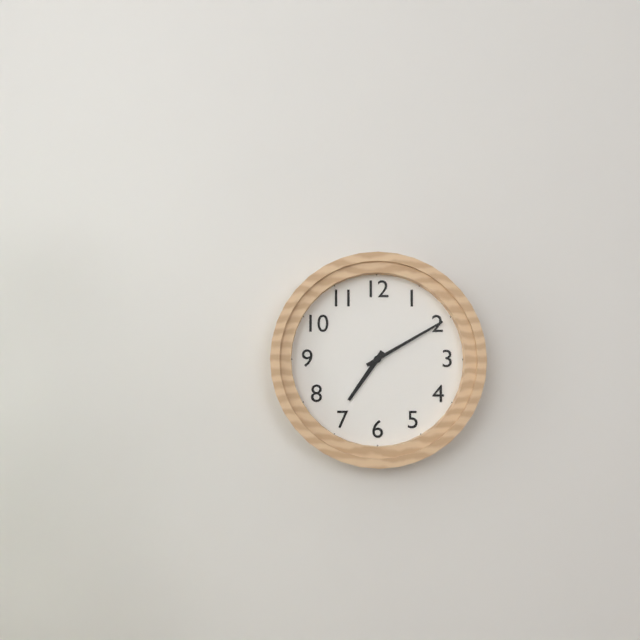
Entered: **7:10**
